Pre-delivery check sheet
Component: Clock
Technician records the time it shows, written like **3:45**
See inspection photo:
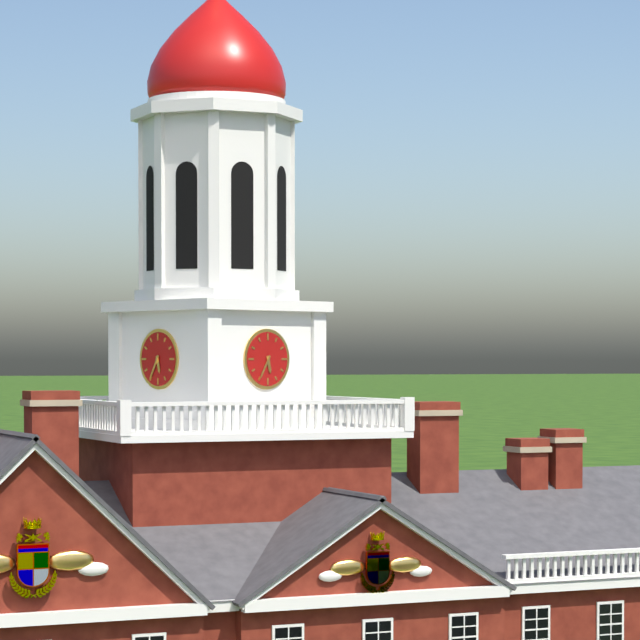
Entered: **5:35**
